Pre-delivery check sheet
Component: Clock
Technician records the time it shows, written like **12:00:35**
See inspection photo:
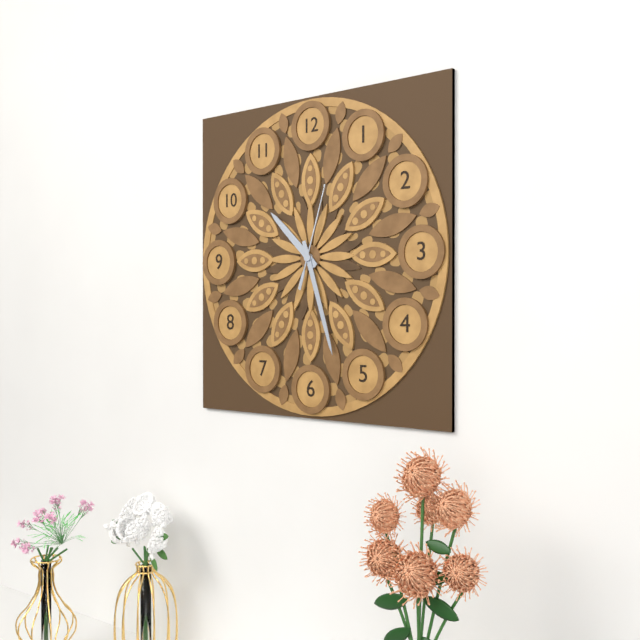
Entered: **10:27:03**
